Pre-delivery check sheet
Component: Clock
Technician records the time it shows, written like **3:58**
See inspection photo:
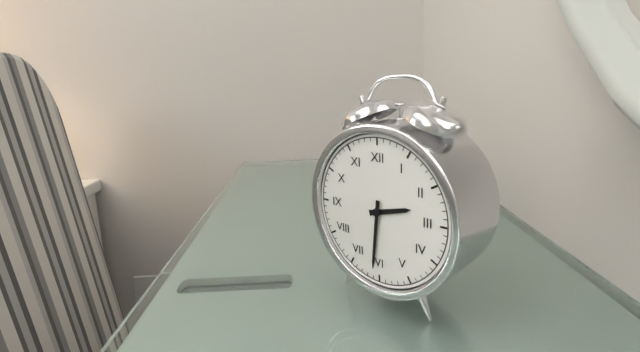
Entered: **2:31**
